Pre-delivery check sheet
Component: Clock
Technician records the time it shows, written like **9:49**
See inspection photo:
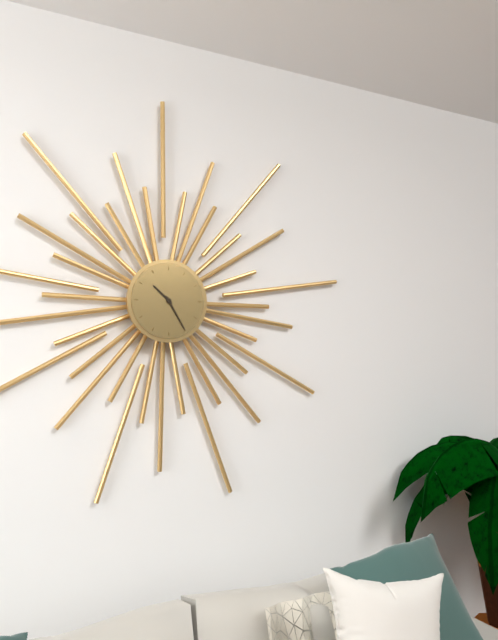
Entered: **10:25**
